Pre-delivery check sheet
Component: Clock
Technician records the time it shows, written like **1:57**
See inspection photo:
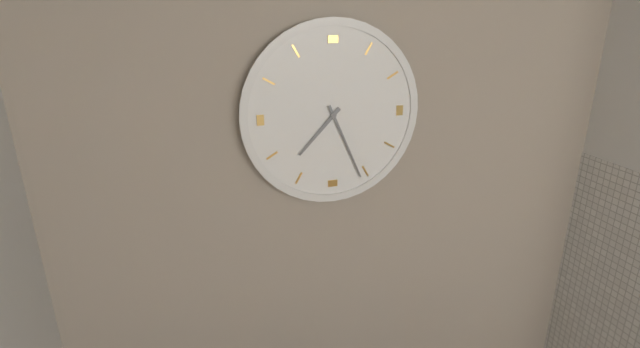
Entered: **7:26**
